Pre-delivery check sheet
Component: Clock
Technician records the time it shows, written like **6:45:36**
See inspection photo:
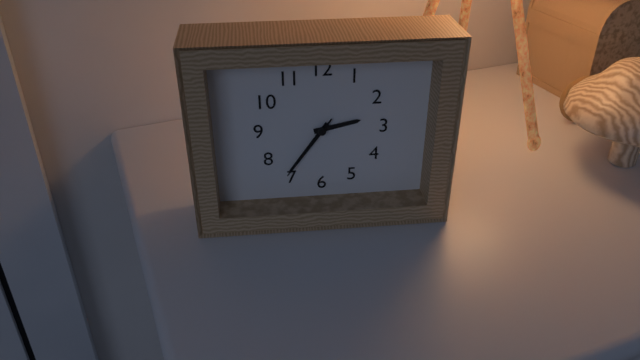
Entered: **2:36:36**
